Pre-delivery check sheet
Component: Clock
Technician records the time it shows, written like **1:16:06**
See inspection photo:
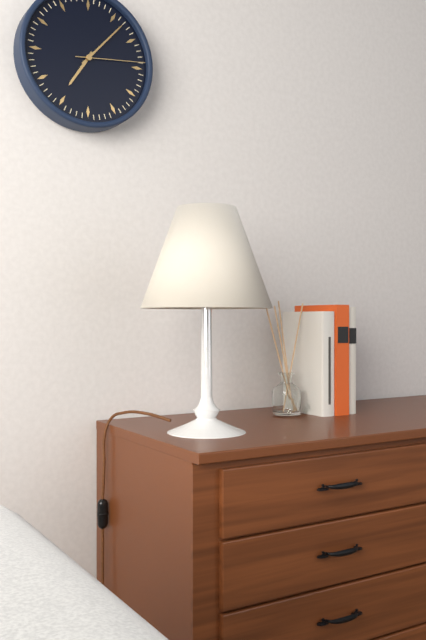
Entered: **7:07:14**
